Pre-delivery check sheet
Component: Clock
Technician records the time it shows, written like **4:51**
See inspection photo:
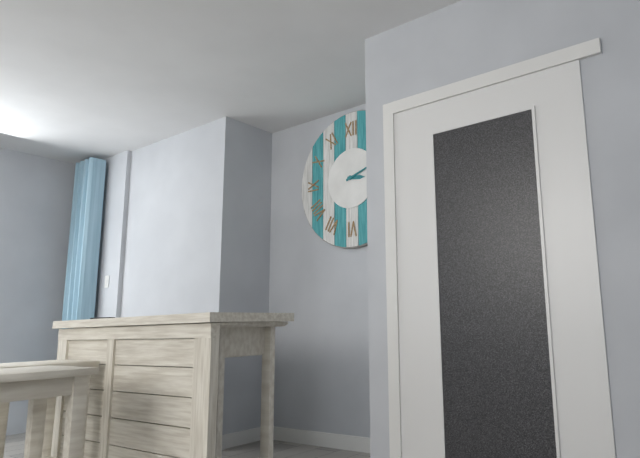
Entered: **3:12**
